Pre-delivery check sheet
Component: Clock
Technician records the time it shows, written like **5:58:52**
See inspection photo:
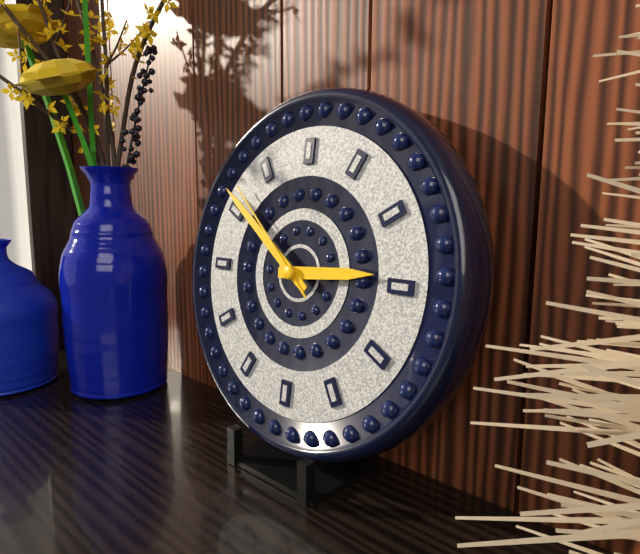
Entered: **2:51:52**
